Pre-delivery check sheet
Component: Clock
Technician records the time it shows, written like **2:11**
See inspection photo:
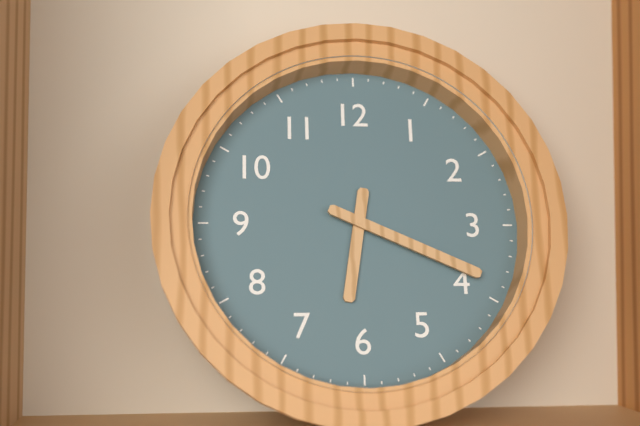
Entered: **6:19**
